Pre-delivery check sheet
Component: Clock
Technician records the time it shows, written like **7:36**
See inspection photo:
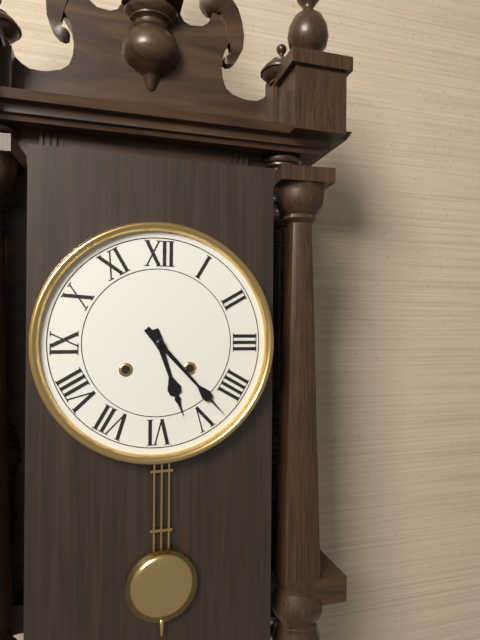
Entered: **5:23**
